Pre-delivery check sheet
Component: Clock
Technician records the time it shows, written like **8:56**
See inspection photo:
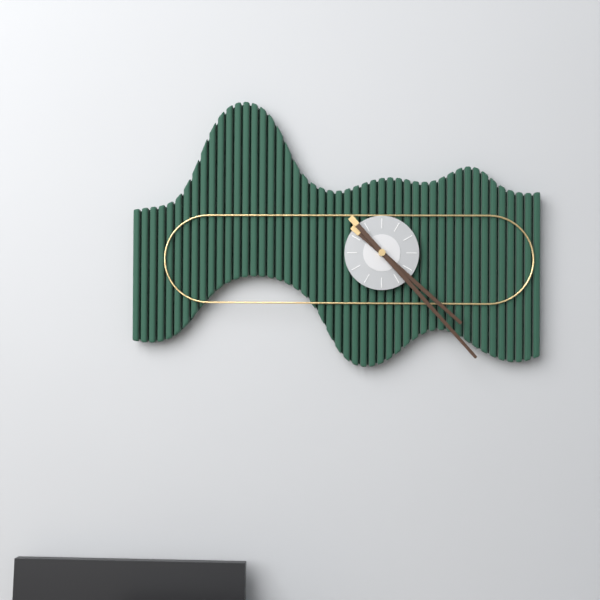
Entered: **4:23**
